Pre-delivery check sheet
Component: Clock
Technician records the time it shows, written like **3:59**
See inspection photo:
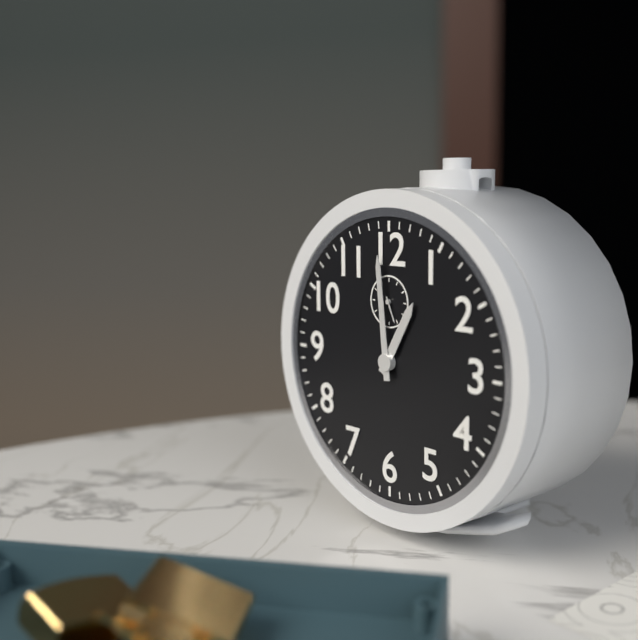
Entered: **12:59**
